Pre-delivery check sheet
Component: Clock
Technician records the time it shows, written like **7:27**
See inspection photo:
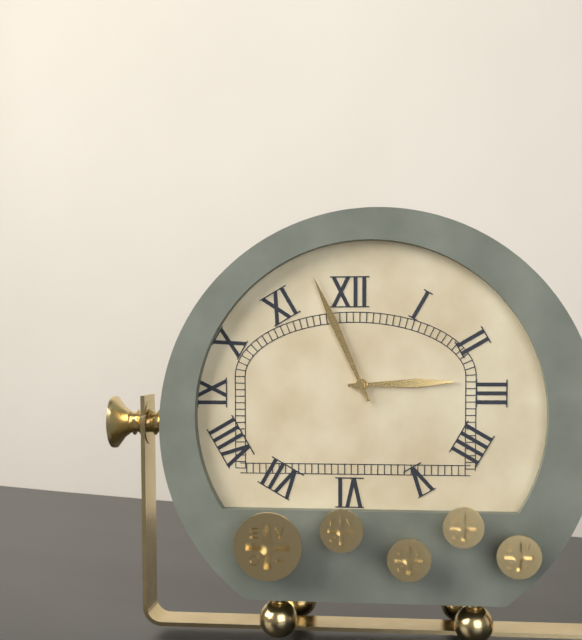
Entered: **2:56**
